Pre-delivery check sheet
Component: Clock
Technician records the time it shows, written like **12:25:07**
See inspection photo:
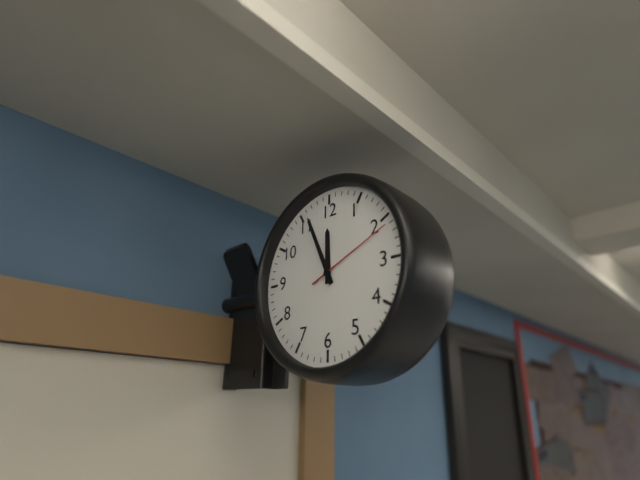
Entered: **11:56:11**
